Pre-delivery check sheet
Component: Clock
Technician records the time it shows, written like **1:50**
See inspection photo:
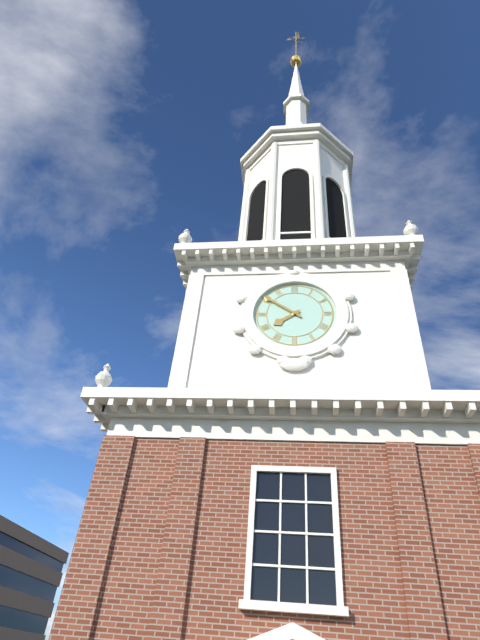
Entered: **7:51**
